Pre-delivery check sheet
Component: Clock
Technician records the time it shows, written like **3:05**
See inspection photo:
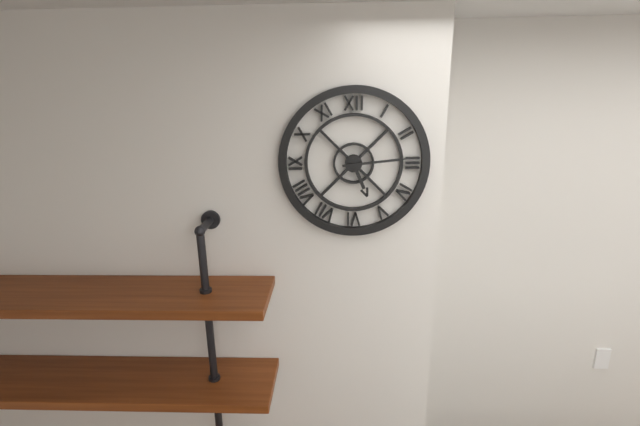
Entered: **5:14**
